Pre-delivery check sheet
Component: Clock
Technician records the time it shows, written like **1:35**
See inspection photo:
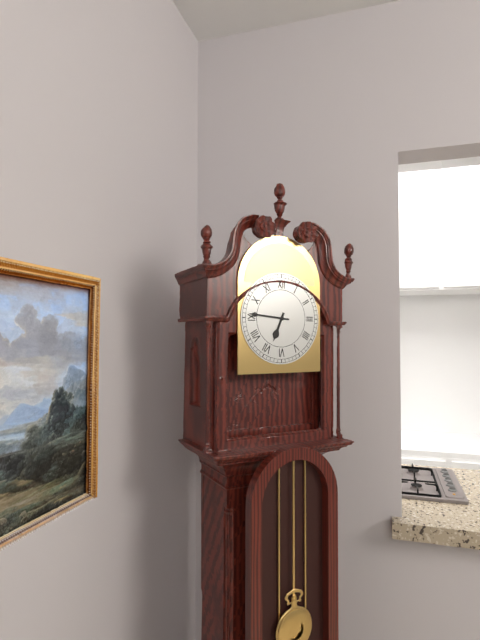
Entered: **6:46**
